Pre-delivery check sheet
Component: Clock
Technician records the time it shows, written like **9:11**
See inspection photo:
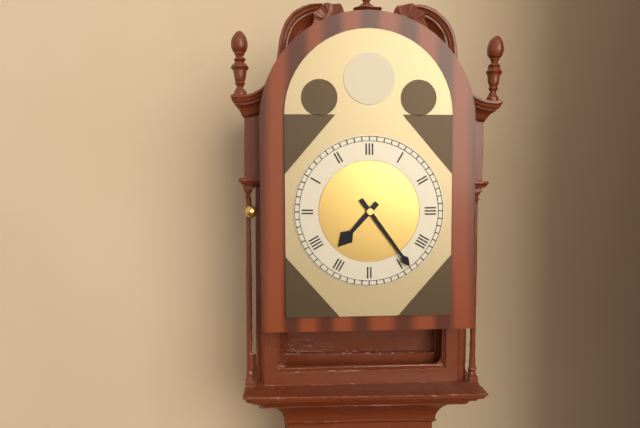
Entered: **7:24**
